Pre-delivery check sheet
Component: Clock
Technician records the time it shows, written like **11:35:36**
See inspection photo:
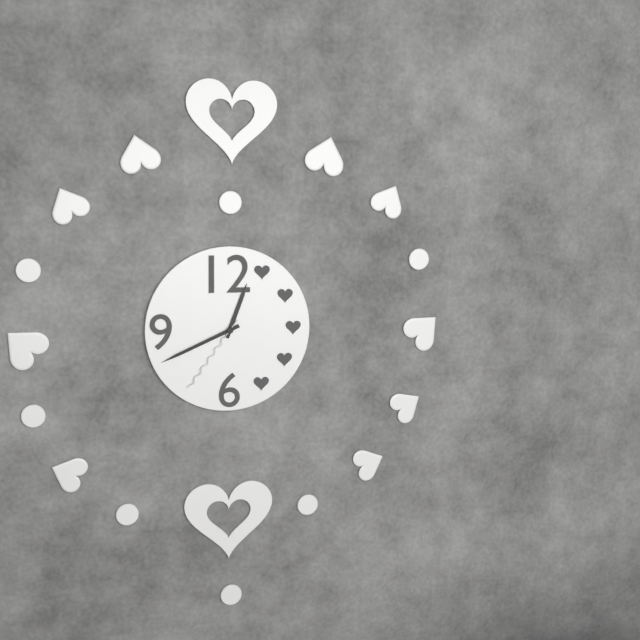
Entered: **12:41:36**
